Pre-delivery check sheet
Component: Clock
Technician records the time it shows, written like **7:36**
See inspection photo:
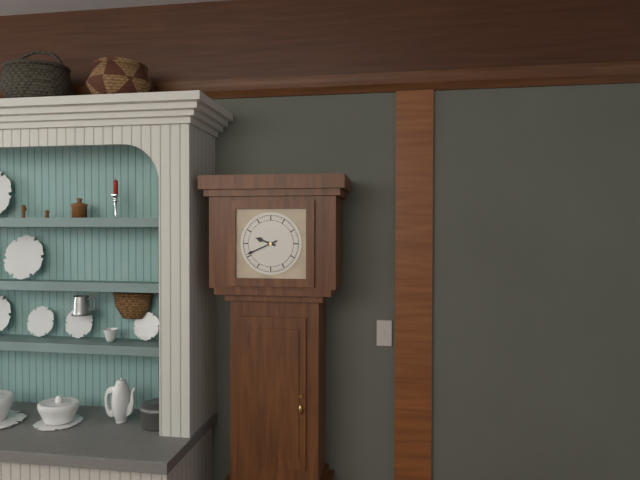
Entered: **9:41**
